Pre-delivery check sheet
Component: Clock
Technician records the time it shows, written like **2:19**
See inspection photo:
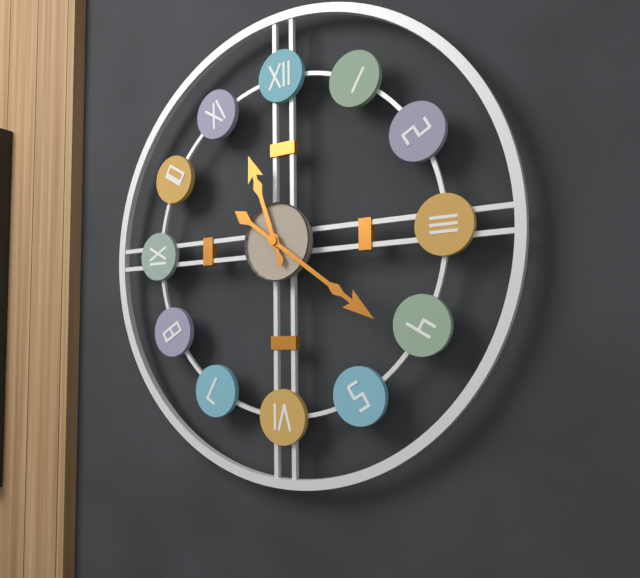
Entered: **11:21**
